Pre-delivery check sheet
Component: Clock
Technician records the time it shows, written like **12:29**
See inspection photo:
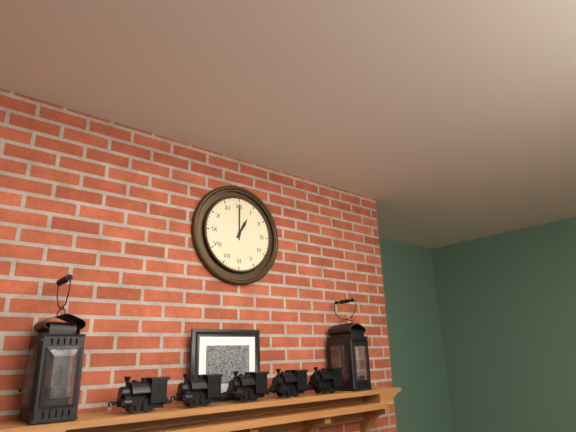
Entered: **1:00**
